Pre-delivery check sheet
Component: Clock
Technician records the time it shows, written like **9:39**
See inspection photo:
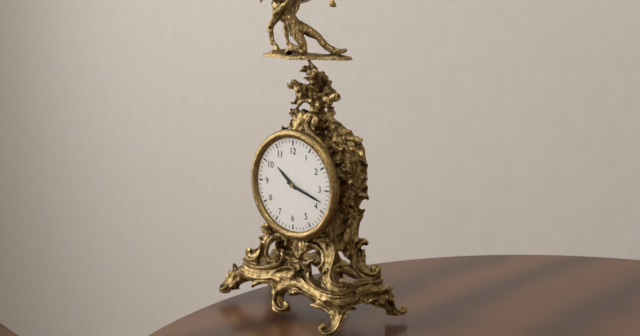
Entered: **10:18**
